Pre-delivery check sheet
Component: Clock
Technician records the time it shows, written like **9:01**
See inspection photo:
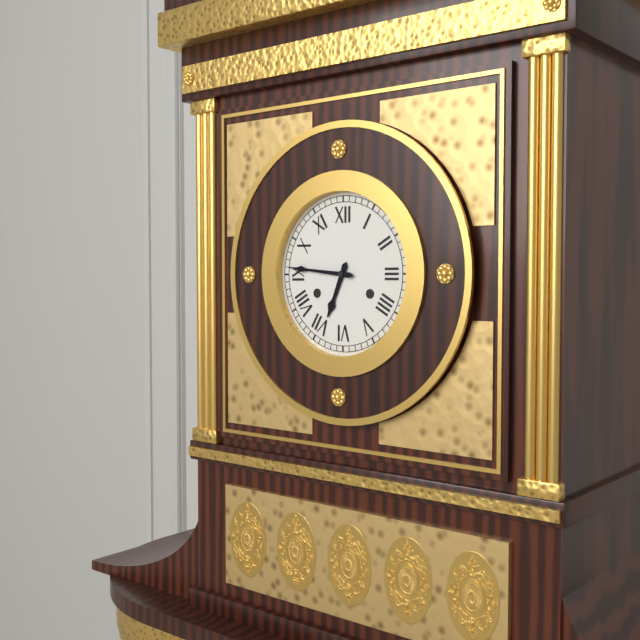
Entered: **6:46**
